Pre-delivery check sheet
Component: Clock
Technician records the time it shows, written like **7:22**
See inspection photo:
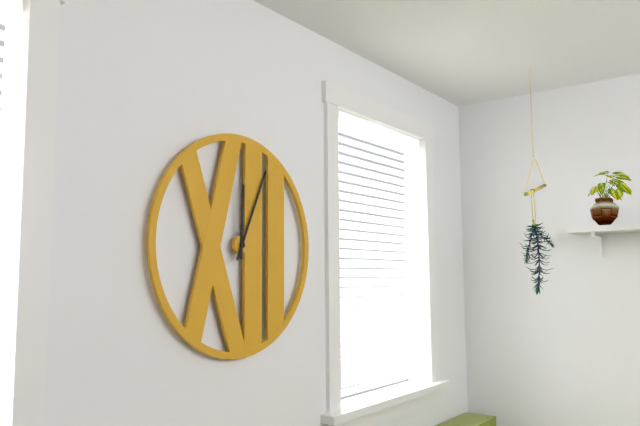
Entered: **12:04**
